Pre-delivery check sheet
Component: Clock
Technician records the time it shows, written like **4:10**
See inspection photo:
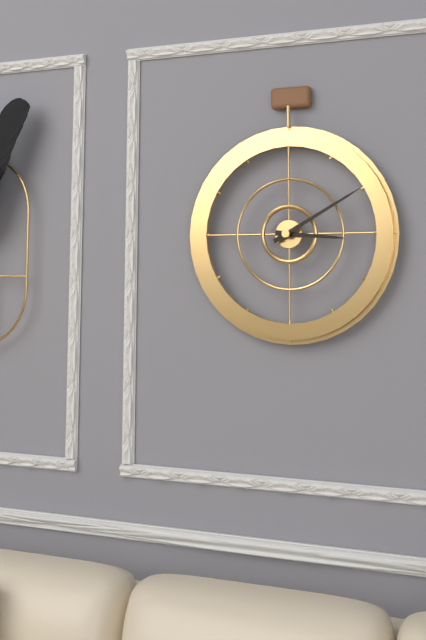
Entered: **3:10**
